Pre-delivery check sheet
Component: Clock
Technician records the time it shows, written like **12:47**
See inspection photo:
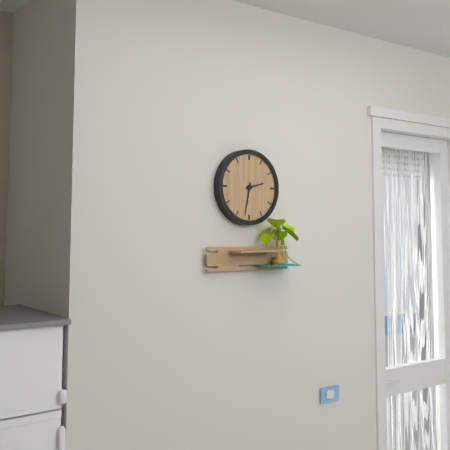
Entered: **2:32**
